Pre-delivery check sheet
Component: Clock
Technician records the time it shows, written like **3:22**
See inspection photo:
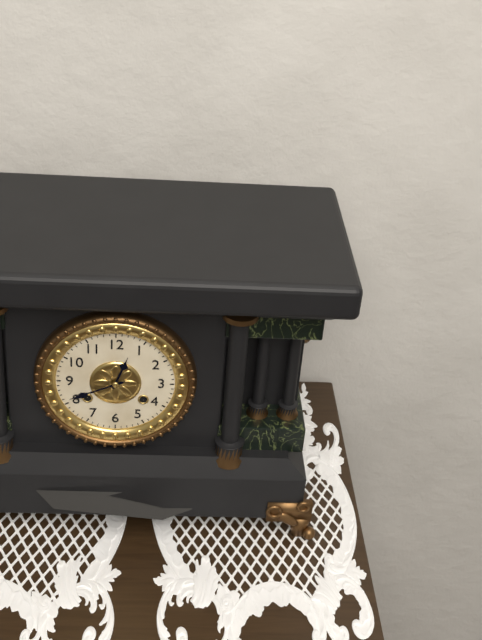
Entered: **12:41**
